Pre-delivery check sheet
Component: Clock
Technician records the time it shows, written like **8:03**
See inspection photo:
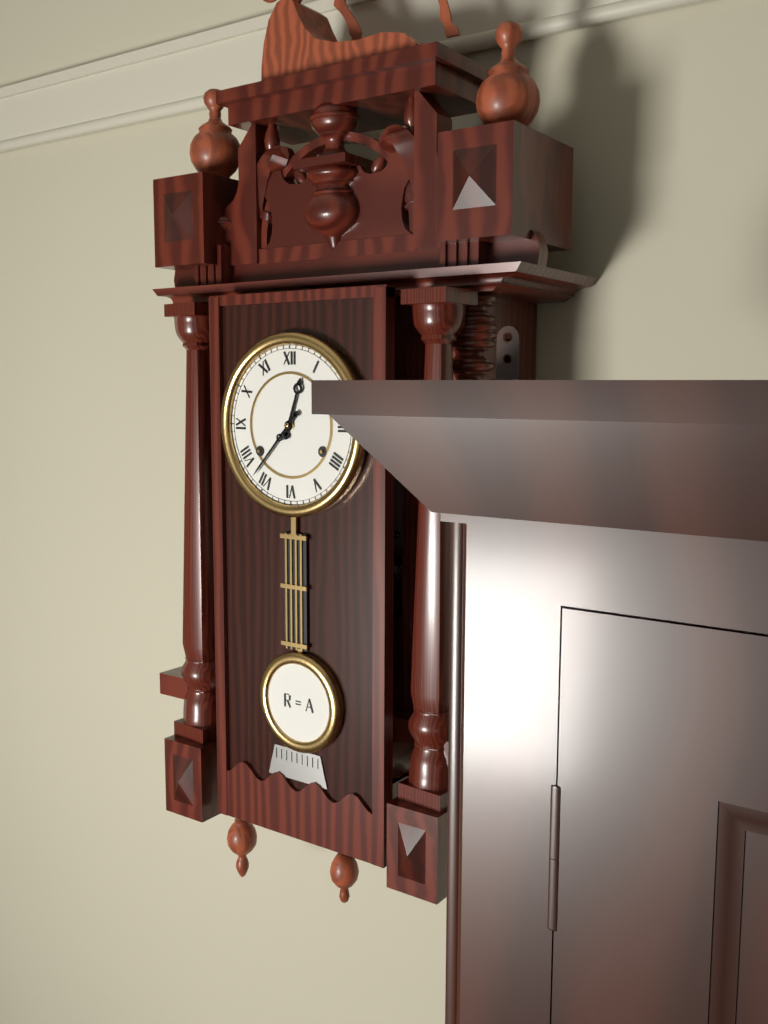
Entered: **12:37**
